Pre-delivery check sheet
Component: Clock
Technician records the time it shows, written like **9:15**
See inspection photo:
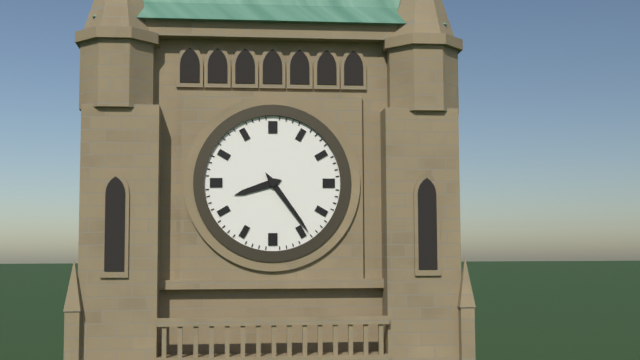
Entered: **8:24**
